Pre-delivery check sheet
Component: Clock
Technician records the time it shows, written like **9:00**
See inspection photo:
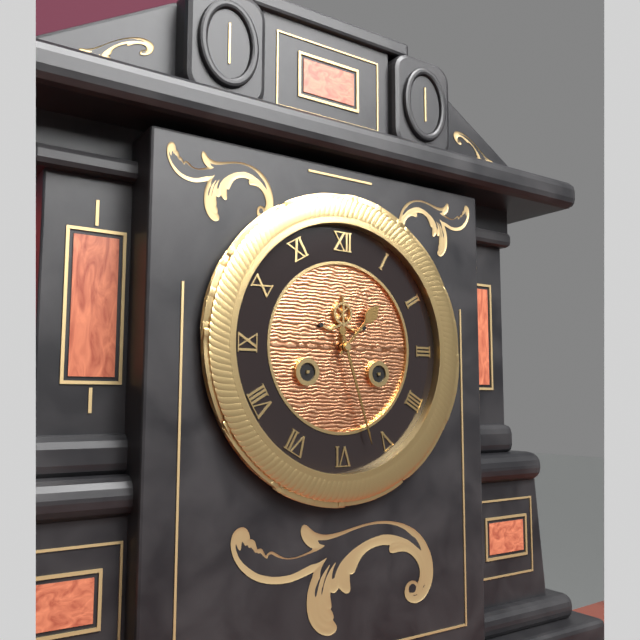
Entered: **1:27**
